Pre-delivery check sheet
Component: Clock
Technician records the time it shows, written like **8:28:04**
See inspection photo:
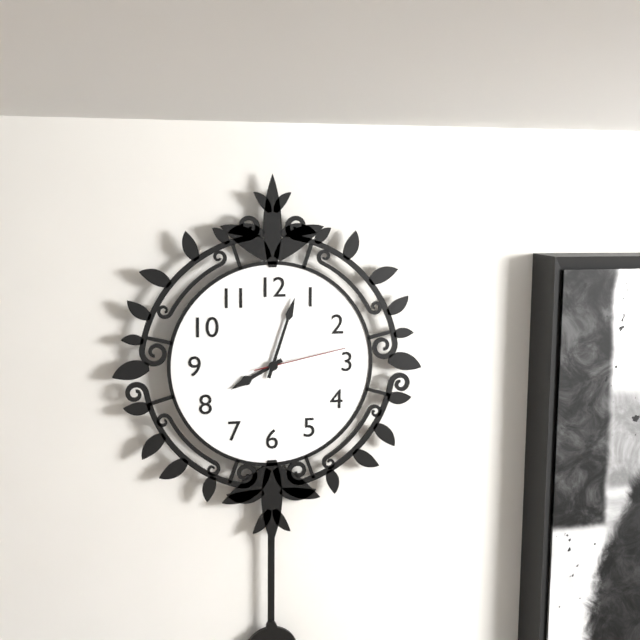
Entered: **8:03:13**
